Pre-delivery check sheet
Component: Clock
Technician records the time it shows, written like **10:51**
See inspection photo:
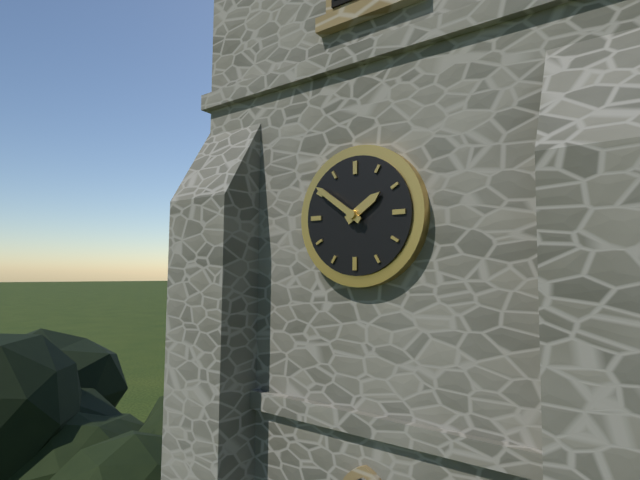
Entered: **1:51**
